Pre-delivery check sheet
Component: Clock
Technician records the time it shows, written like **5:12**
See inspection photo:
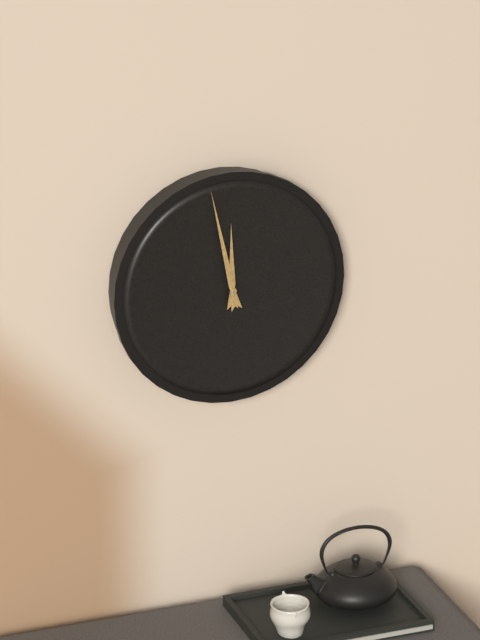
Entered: **11:58**
